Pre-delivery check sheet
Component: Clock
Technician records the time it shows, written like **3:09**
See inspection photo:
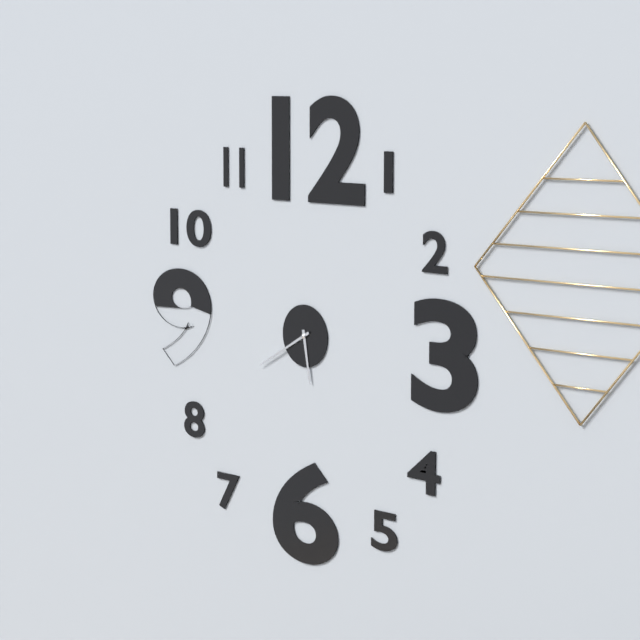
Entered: **5:40**
